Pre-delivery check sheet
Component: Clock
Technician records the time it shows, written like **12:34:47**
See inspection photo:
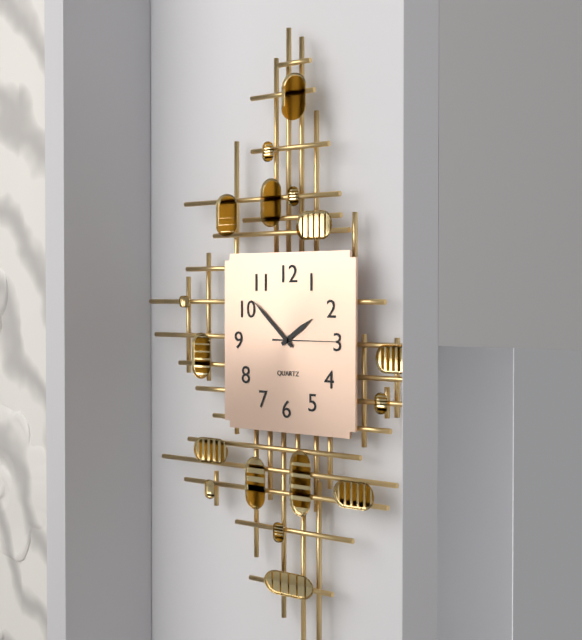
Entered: **1:52:15**
